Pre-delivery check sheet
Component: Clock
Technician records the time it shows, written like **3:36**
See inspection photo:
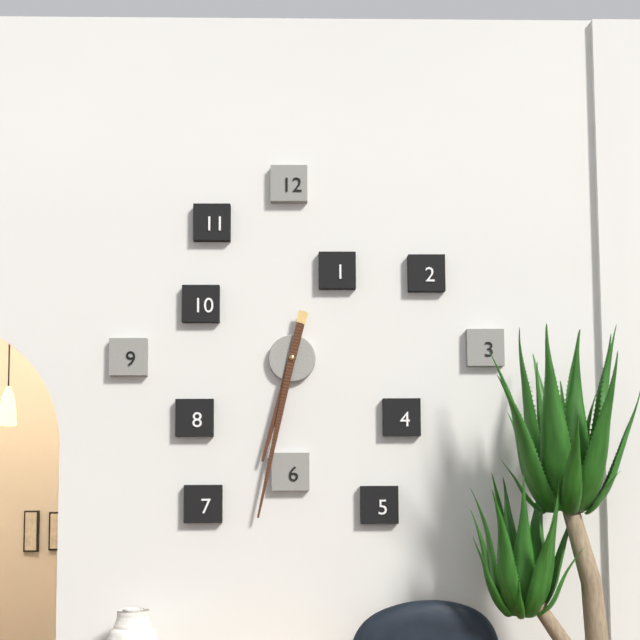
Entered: **6:32**
